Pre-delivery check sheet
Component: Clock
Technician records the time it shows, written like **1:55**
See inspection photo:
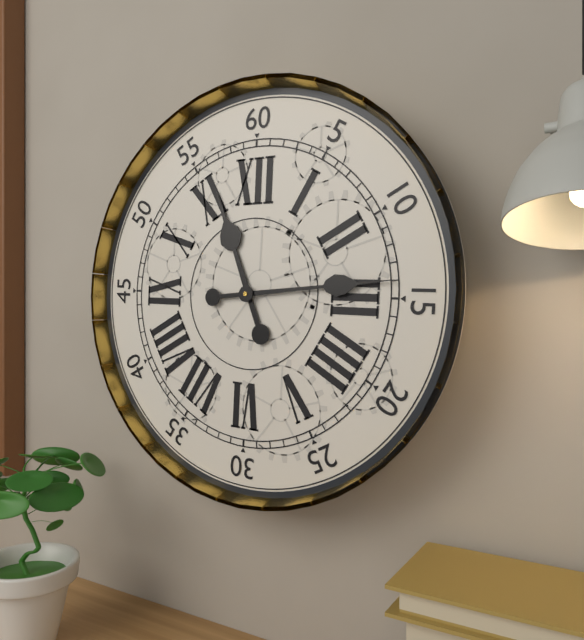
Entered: **11:14**
